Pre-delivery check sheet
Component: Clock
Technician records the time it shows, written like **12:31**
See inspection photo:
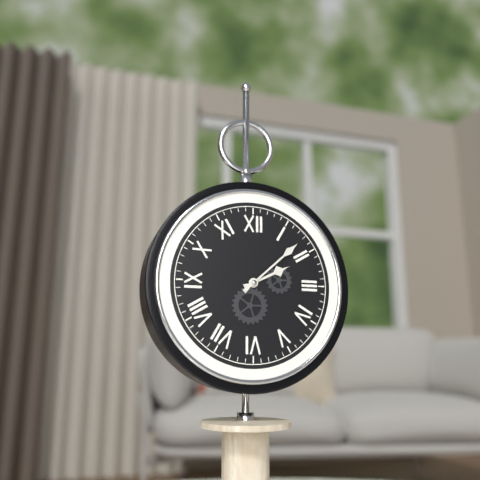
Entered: **2:08**
